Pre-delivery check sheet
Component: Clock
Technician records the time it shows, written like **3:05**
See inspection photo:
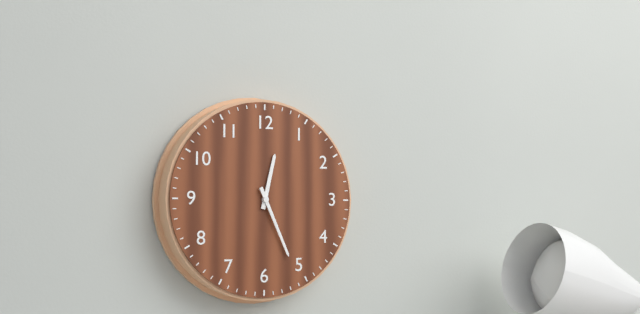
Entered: **12:26**
